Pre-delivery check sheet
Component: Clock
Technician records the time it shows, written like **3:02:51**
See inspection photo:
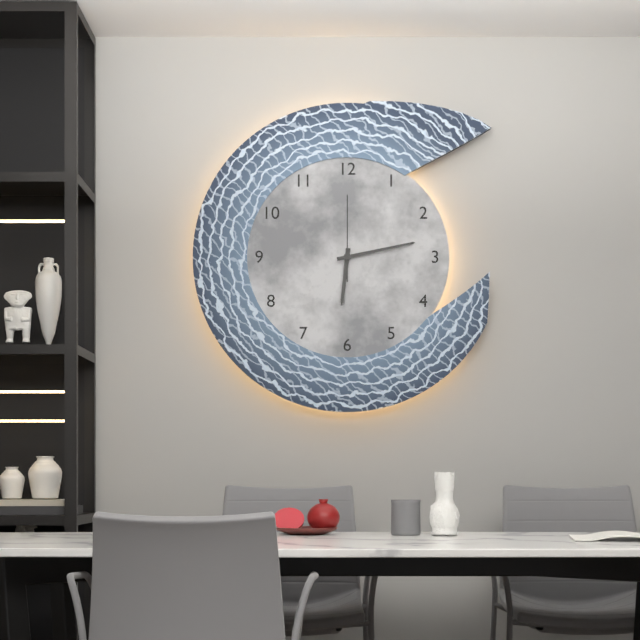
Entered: **6:13:00**
